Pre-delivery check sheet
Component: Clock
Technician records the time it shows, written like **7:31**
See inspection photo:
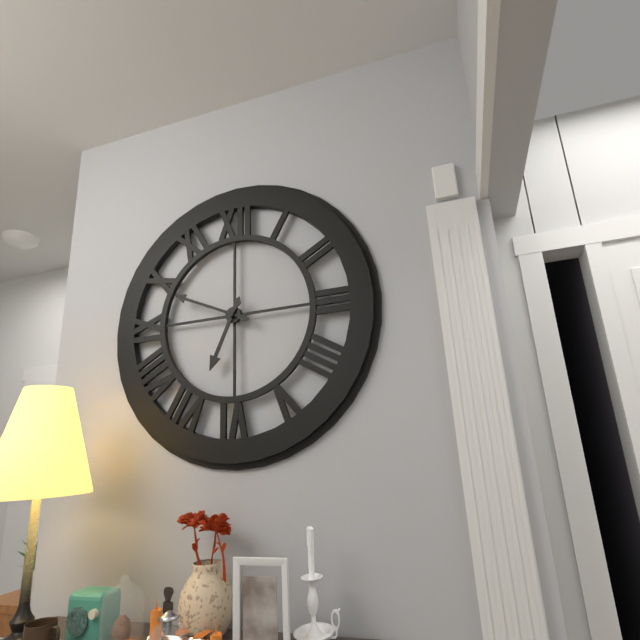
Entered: **6:49**
